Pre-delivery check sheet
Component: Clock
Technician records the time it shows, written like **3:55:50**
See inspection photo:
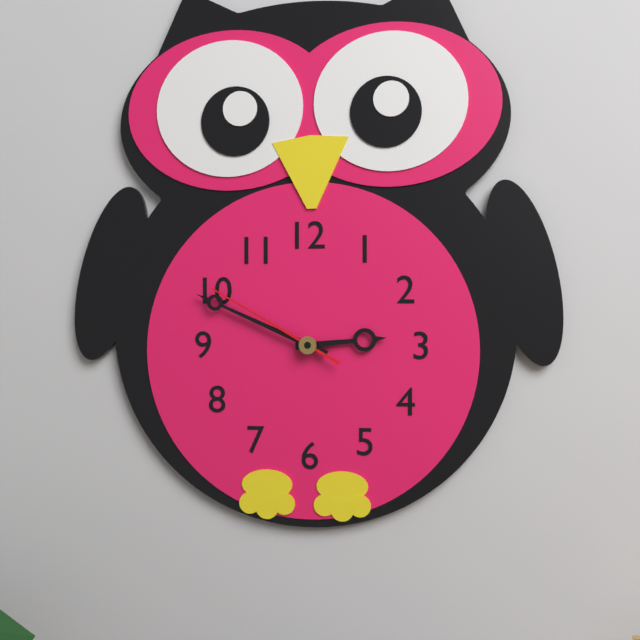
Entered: **2:49:50**
